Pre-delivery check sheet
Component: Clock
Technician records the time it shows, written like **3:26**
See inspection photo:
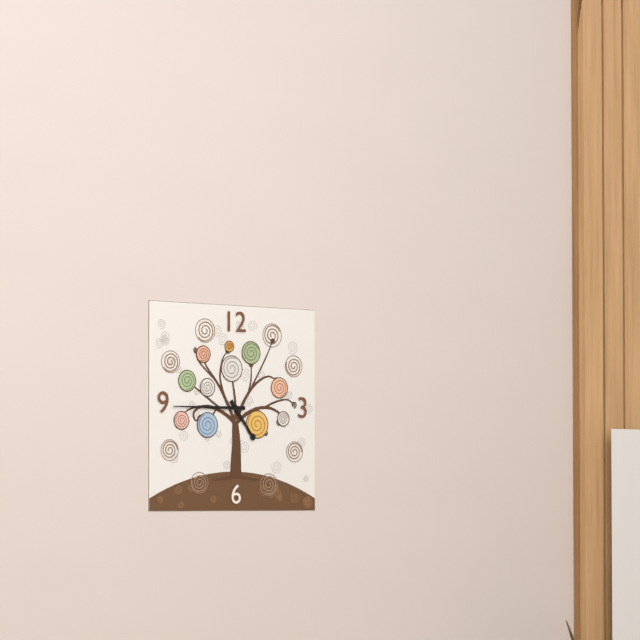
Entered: **4:45**
